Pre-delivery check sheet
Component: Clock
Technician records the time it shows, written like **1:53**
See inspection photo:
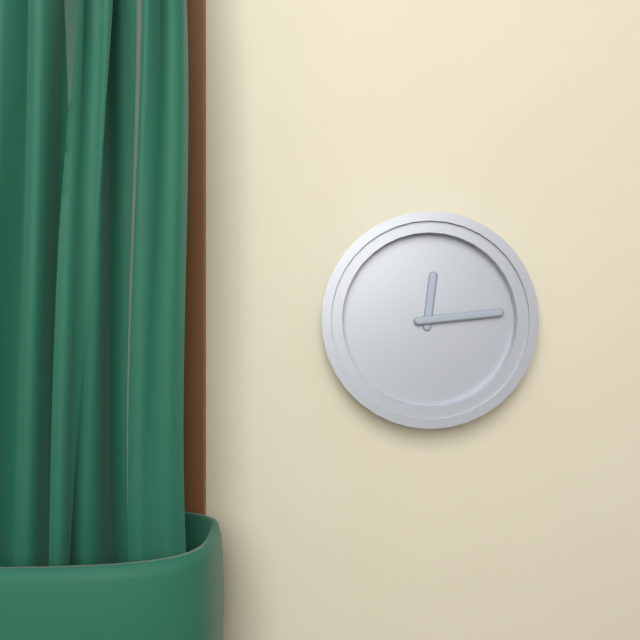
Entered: **12:14**
